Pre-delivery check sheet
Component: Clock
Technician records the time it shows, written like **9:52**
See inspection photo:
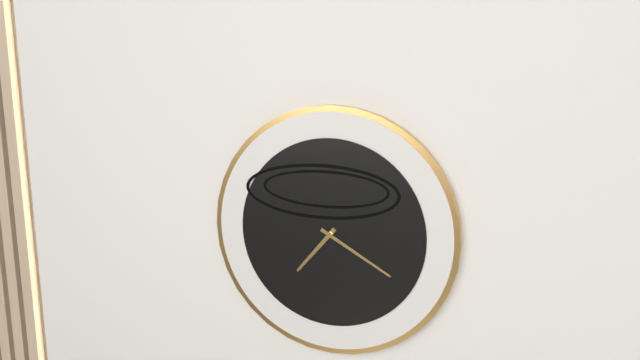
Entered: **7:20**
